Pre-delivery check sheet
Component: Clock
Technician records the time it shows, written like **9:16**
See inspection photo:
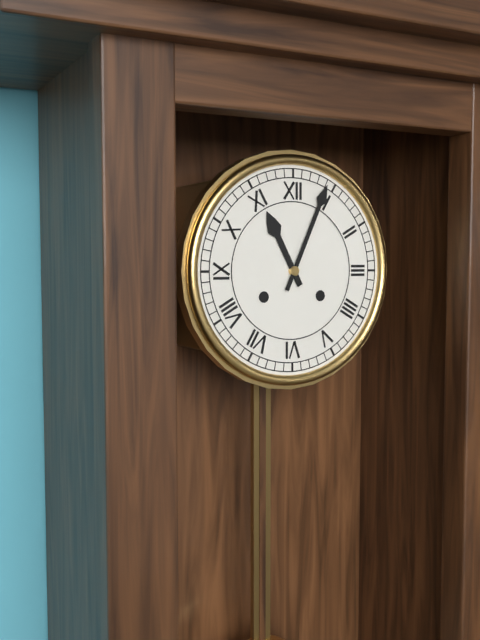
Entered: **11:04**
